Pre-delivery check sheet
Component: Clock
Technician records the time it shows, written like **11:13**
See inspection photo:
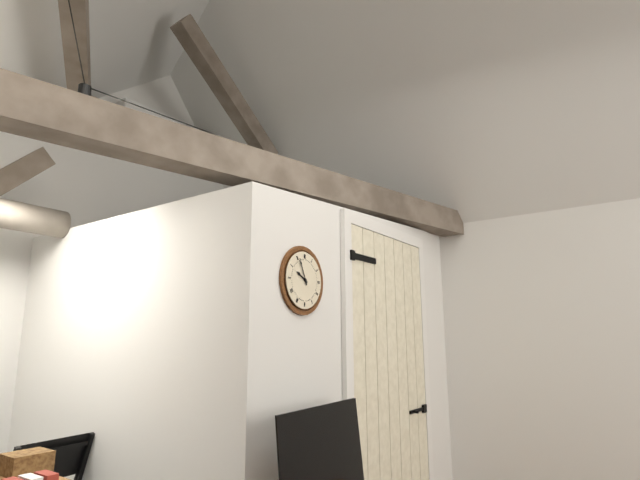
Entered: **9:56**
